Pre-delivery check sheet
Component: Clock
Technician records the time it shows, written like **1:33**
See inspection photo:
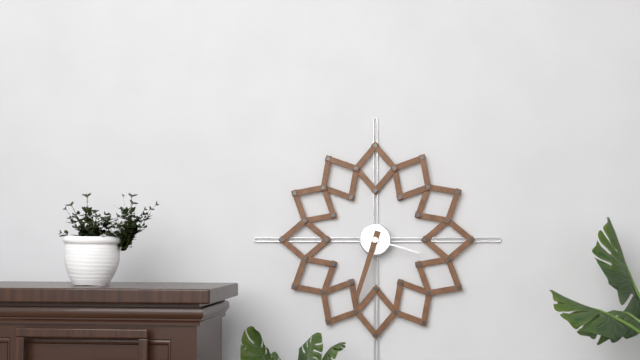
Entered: **3:33**
